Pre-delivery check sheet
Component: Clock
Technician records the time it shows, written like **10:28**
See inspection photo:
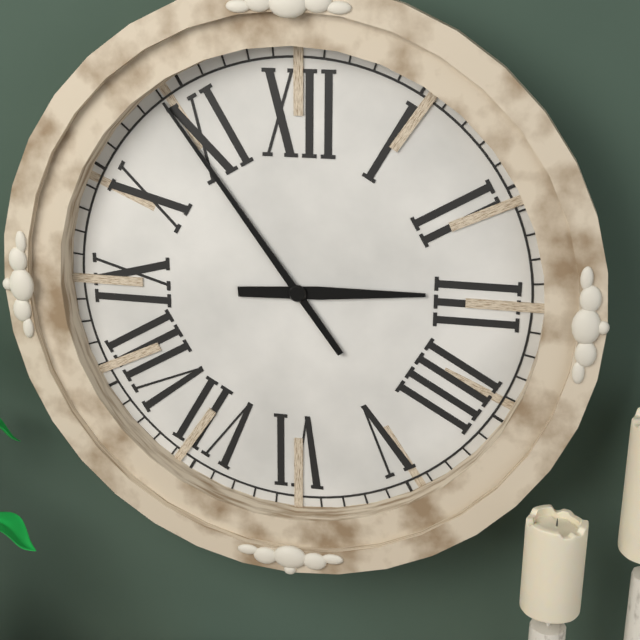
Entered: **2:54**
